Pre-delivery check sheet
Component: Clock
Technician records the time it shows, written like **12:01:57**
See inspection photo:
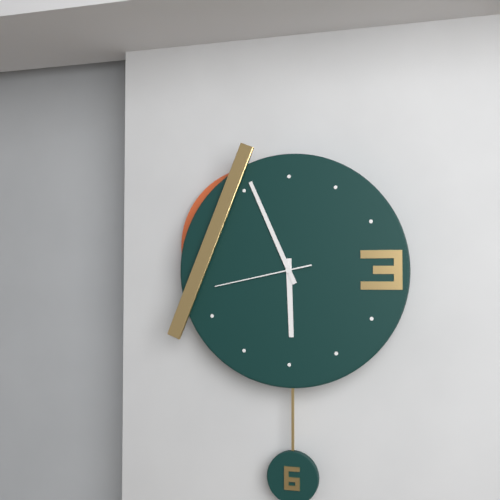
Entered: **5:56:43**
